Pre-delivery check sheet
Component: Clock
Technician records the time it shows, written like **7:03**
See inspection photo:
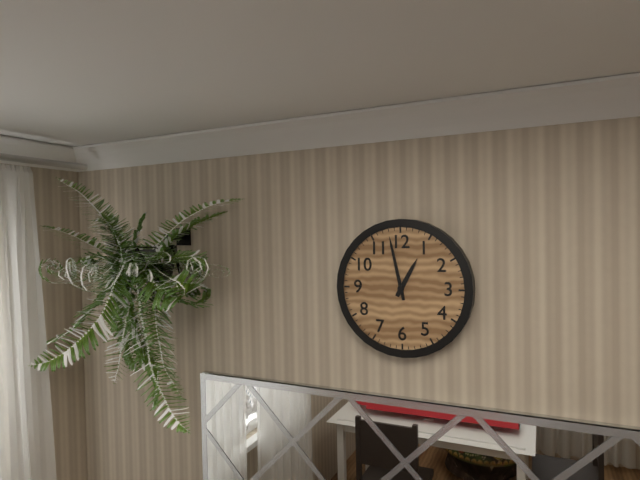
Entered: **12:58**
